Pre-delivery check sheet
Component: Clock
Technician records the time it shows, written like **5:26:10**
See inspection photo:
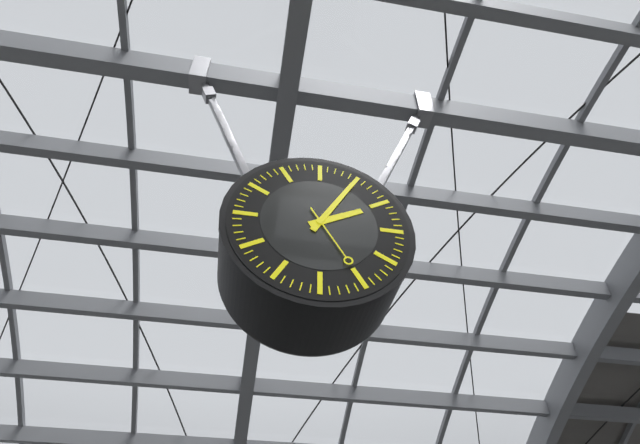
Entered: **2:05:25**
